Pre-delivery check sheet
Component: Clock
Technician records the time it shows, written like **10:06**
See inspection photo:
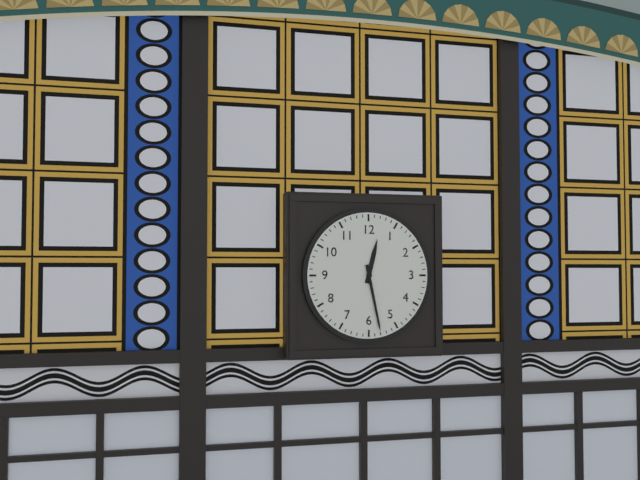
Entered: **12:28**
